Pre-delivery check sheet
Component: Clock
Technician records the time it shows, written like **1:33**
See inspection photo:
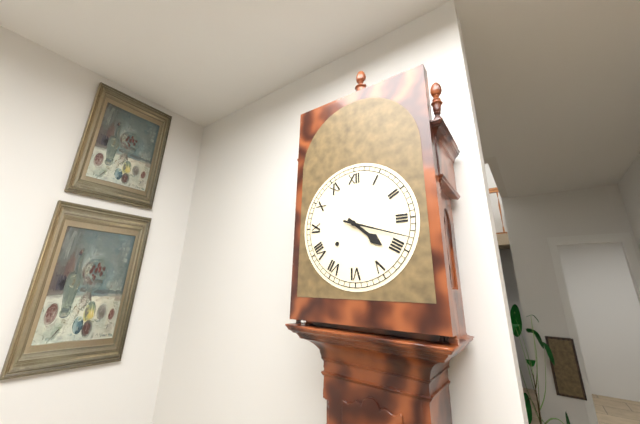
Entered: **4:18**
